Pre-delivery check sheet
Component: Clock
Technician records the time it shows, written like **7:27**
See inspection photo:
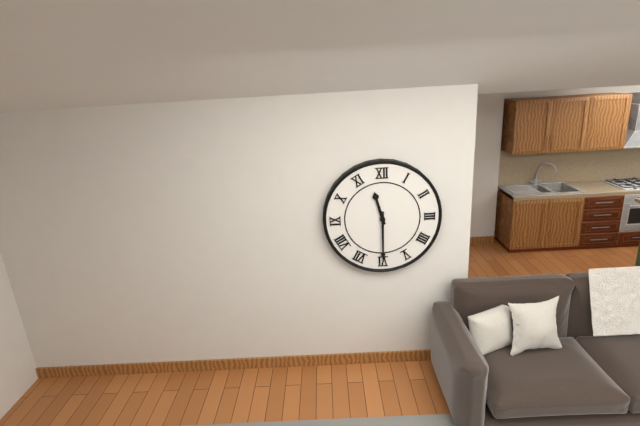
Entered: **11:30**
